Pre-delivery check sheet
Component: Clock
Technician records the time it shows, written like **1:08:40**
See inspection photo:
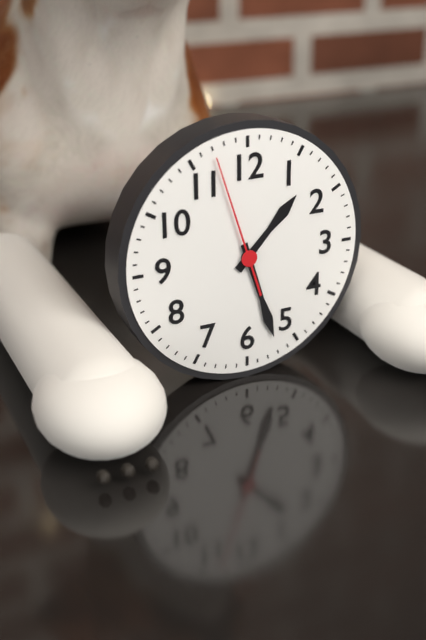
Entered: **1:27:57**
